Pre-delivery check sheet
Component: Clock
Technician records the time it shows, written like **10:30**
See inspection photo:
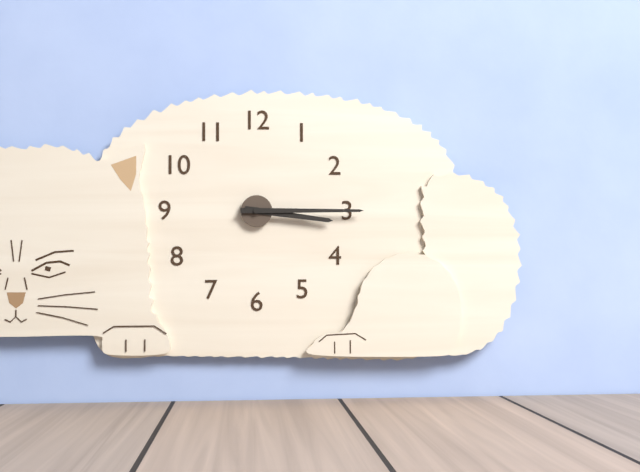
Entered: **3:15**
